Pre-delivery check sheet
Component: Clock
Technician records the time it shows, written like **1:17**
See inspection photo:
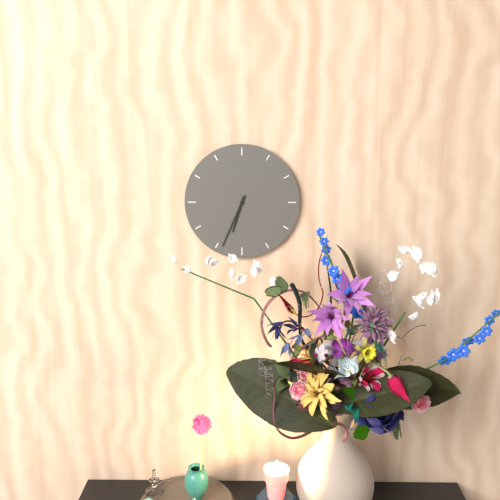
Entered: **6:34**
